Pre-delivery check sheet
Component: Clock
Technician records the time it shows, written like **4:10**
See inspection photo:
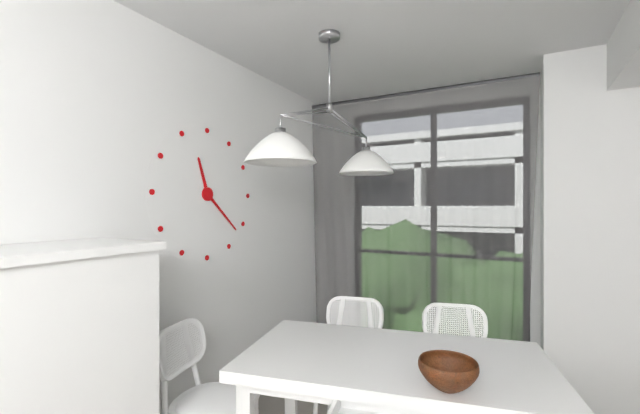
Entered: **11:22**
